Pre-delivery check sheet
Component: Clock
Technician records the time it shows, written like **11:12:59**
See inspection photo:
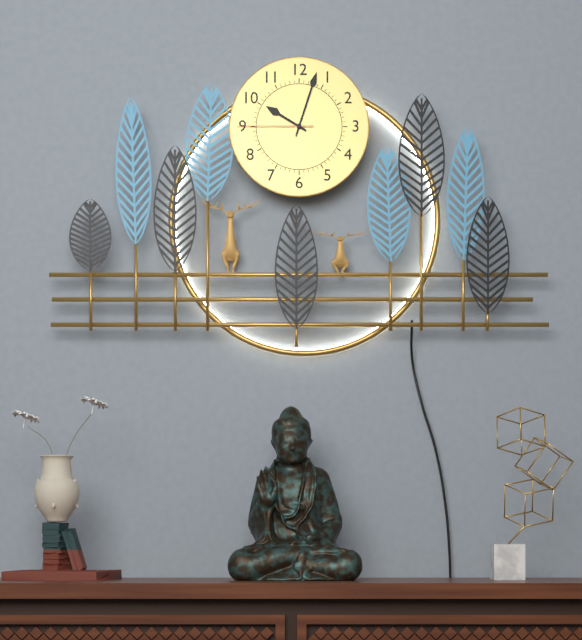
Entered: **10:03:45**
